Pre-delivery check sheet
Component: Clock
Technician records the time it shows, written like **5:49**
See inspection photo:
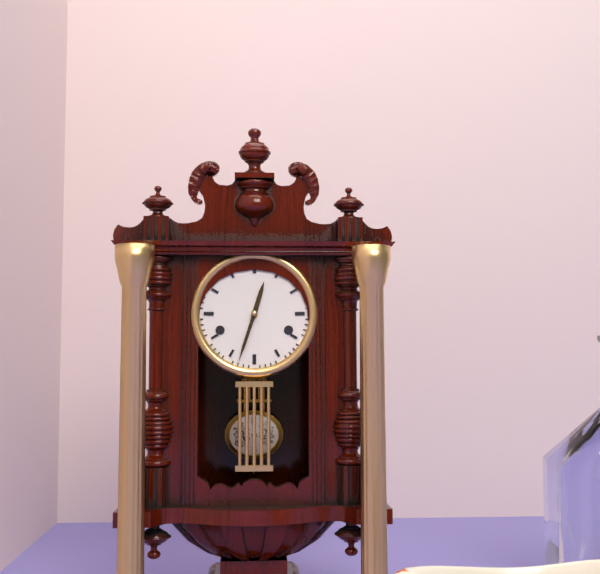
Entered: **12:33**
